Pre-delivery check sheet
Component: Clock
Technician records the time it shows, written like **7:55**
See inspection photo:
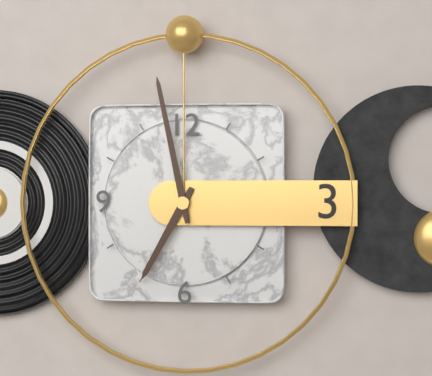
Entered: **6:58**
